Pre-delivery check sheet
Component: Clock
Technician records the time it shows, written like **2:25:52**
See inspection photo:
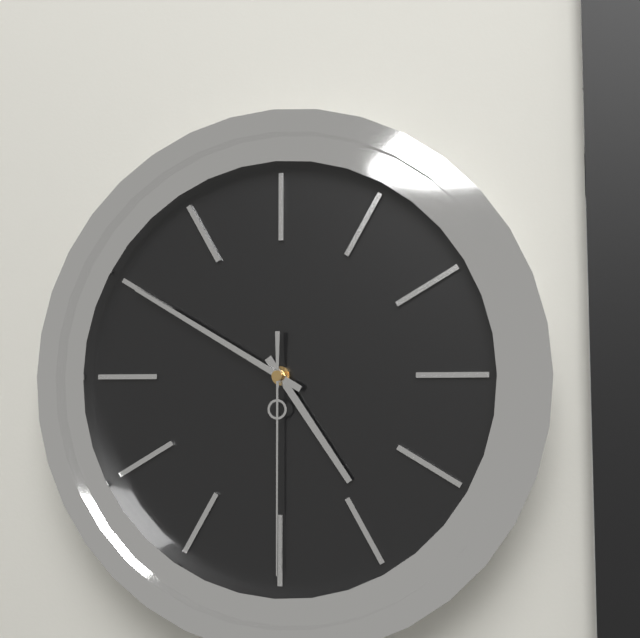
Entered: **4:50:30**
